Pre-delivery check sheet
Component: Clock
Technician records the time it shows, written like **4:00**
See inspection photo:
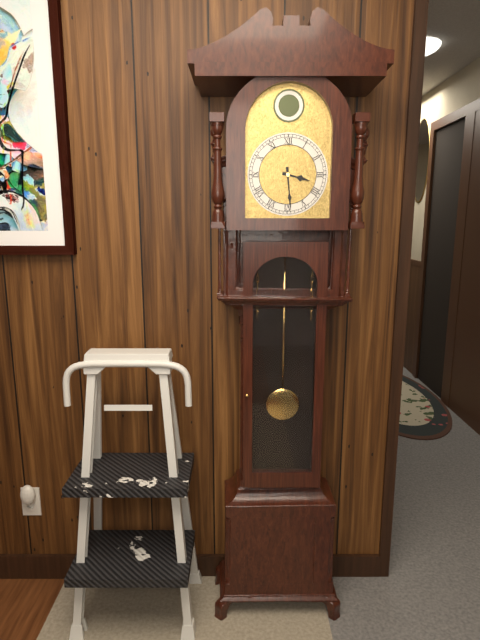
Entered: **3:29**
